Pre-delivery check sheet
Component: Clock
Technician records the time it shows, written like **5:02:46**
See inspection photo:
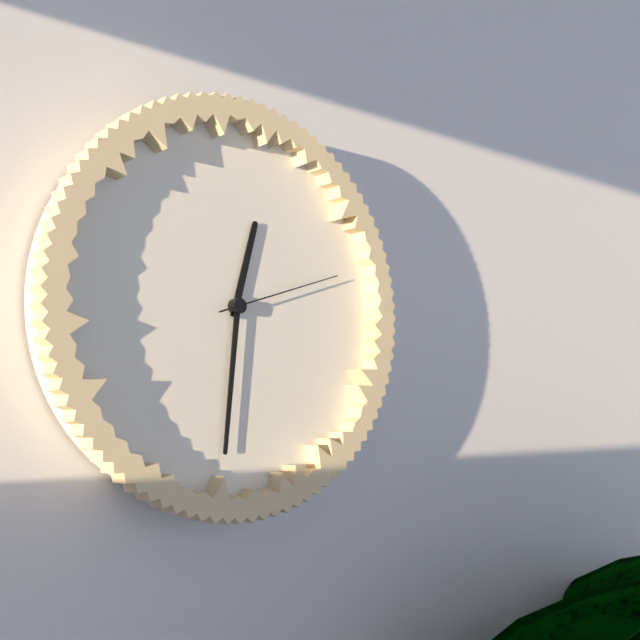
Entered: **12:31:12**
